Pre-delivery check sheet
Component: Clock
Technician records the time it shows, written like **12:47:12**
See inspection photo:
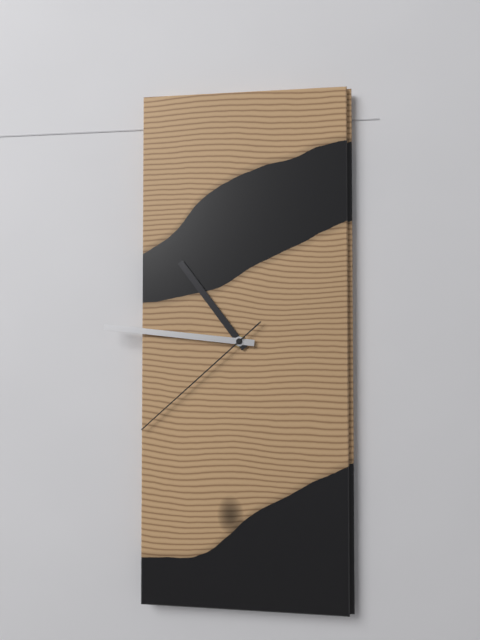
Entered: **10:46:38**
